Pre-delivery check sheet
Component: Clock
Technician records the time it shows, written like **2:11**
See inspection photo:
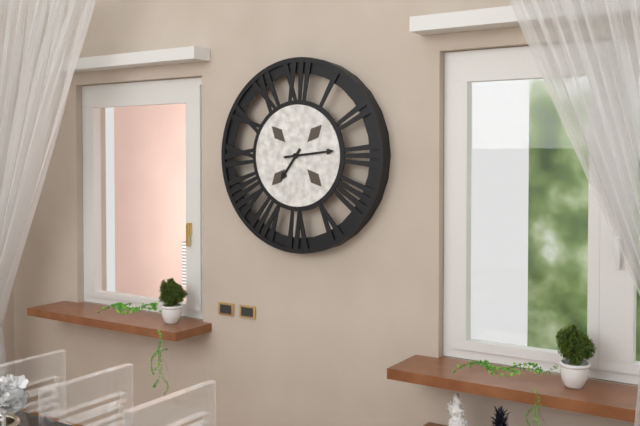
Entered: **7:14**
